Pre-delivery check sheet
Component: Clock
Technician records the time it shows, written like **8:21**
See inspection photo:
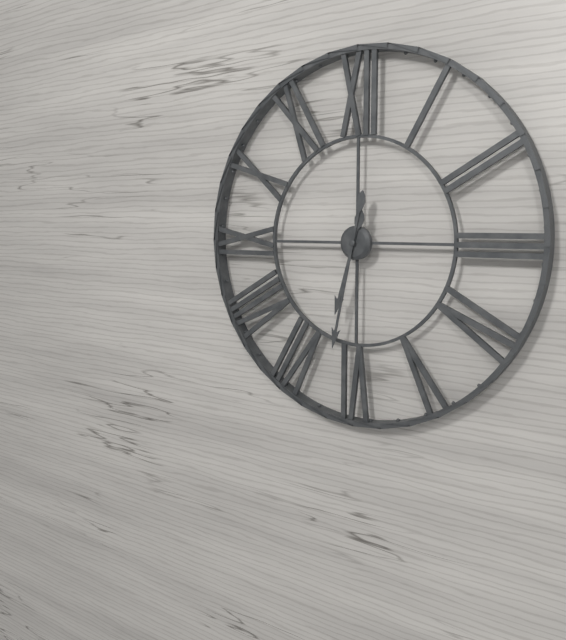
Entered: **6:32**
